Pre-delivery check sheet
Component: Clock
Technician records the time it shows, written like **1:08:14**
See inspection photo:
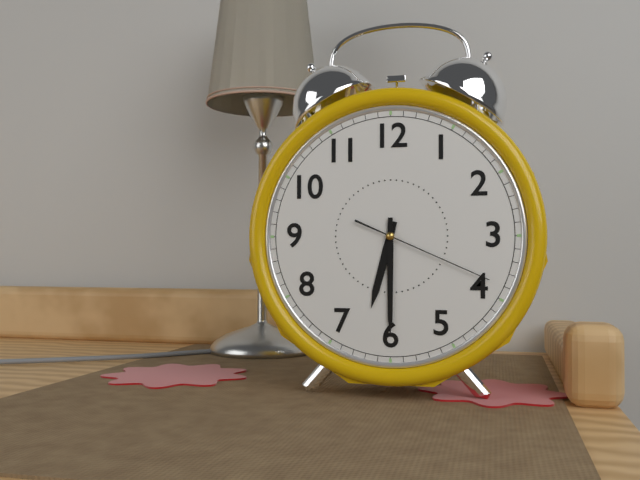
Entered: **6:30:19**
